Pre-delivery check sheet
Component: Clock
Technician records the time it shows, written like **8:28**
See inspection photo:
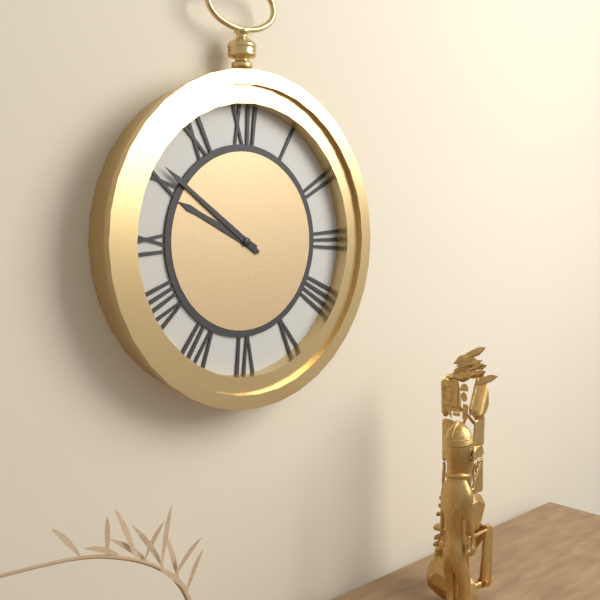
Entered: **9:51**
